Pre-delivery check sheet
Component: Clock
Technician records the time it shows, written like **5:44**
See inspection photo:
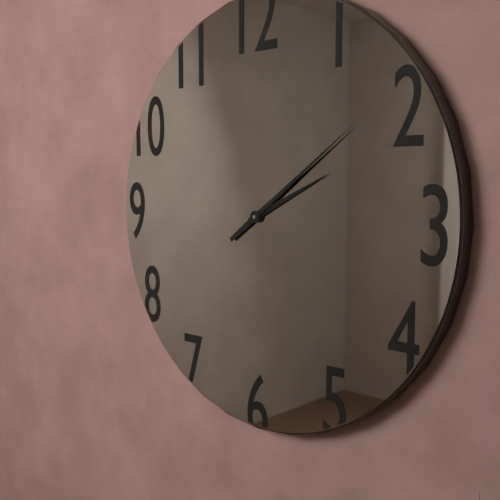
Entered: **2:09**
